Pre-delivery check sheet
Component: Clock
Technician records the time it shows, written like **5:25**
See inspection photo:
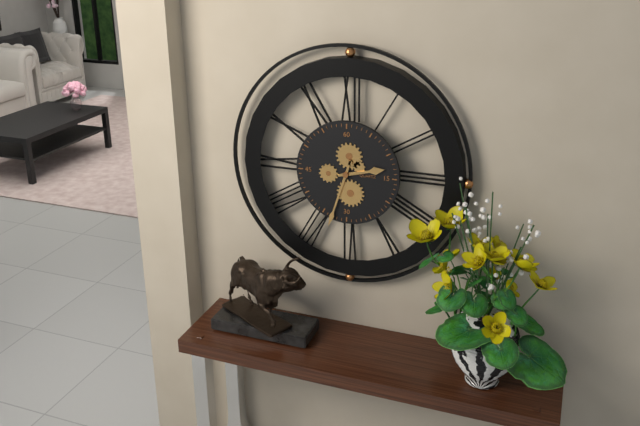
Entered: **2:33**
